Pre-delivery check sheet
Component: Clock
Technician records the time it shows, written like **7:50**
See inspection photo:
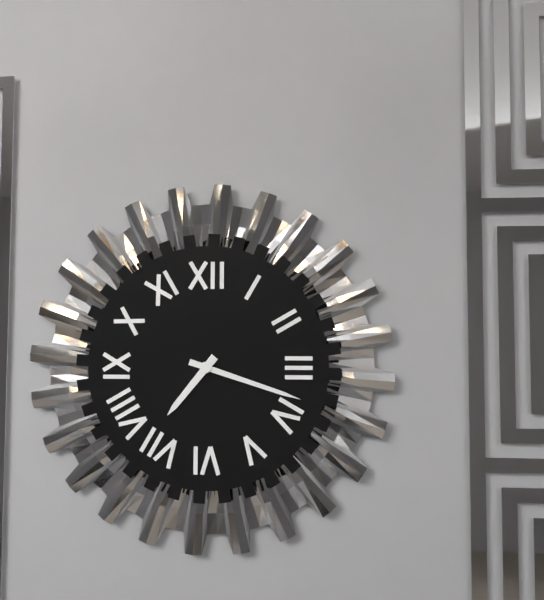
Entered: **7:18**
